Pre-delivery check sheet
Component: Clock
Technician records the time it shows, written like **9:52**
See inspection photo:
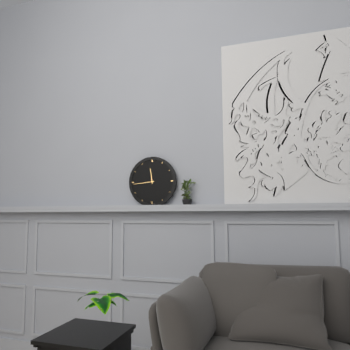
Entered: **11:44**
